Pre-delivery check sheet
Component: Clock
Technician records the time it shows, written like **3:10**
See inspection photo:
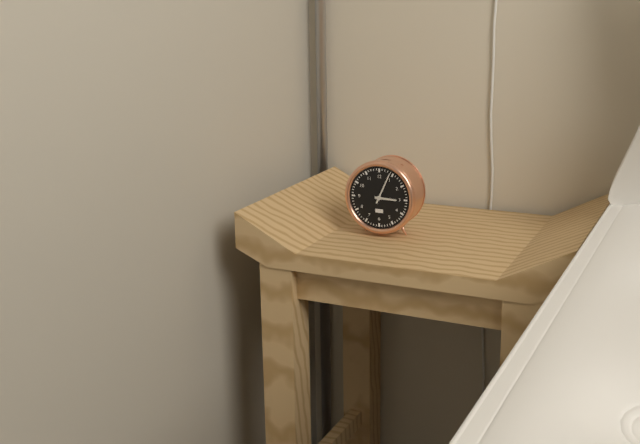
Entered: **3:04**
